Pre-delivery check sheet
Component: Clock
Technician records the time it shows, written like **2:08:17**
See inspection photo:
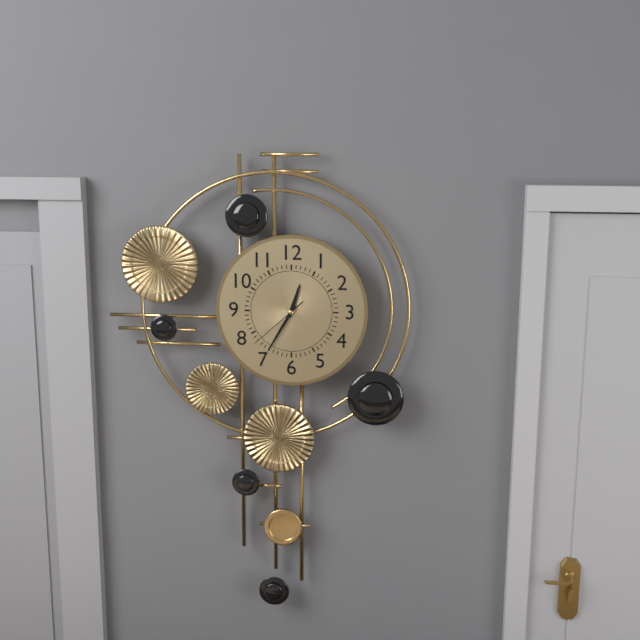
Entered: **12:35:38**
